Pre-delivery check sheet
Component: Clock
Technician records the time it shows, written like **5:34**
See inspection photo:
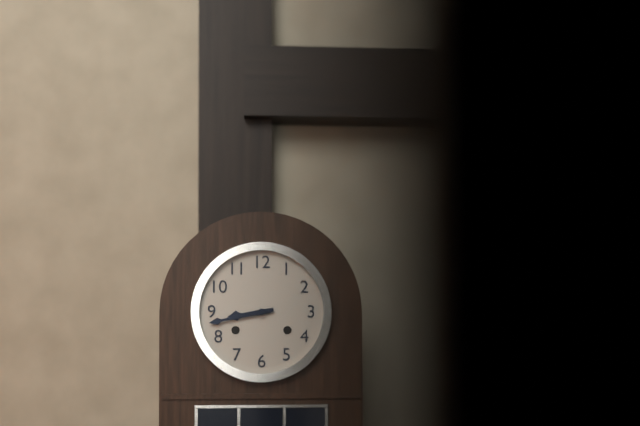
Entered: **8:43**
